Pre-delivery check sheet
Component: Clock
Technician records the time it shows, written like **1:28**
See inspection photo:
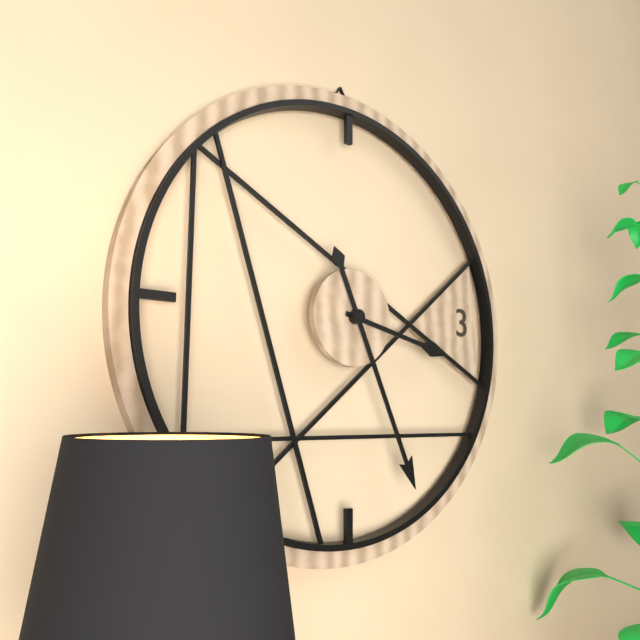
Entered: **3:26**
